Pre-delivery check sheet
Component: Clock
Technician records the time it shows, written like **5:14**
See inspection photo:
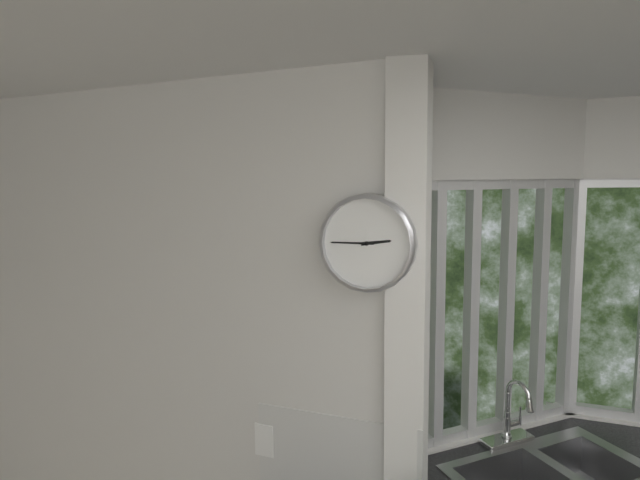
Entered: **2:45**
